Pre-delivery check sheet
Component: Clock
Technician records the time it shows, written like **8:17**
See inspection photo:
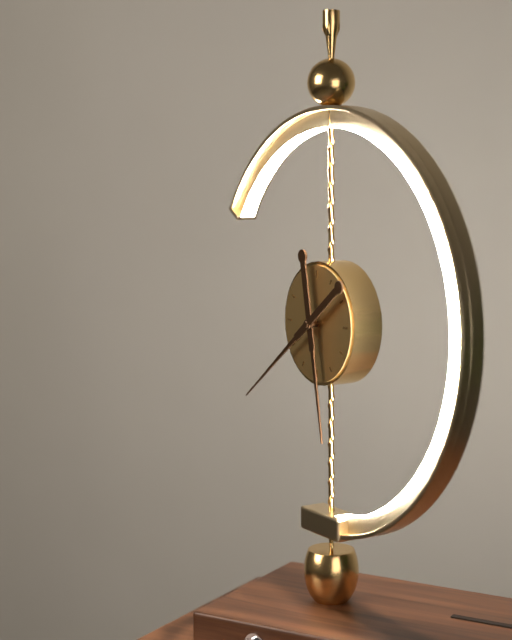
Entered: **5:39**
